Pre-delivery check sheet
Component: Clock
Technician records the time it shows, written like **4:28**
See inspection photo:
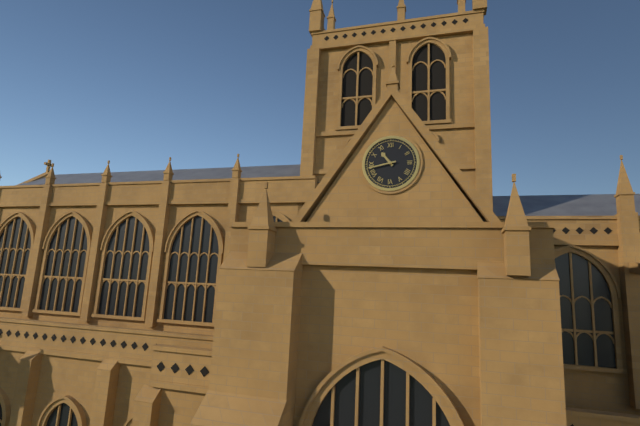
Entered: **10:43**
